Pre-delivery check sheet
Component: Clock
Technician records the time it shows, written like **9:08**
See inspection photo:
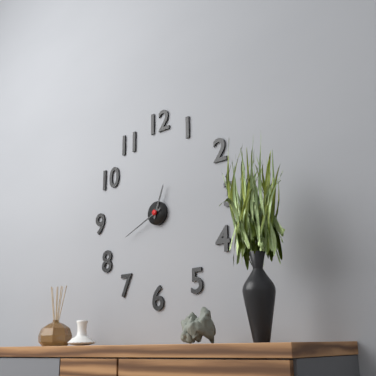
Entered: **12:41**
